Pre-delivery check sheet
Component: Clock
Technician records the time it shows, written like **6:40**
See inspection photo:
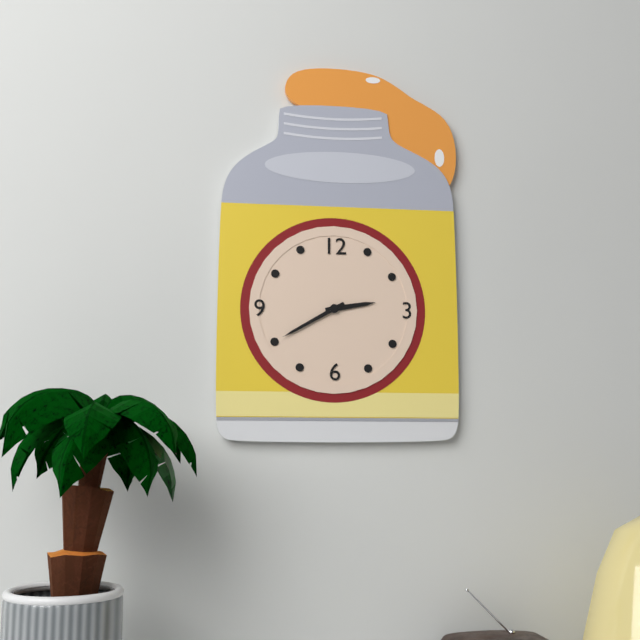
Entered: **2:40**
